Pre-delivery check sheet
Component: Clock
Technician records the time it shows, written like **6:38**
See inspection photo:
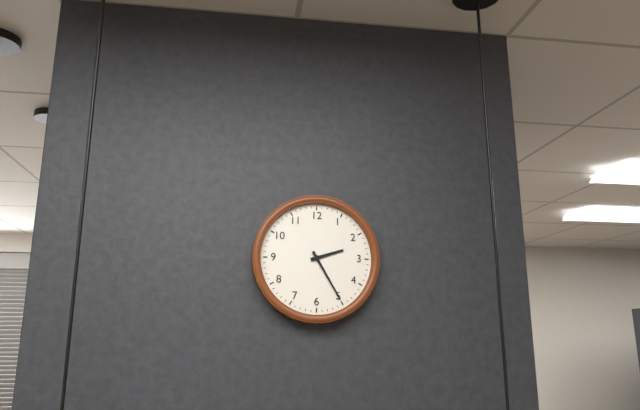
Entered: **2:25**
